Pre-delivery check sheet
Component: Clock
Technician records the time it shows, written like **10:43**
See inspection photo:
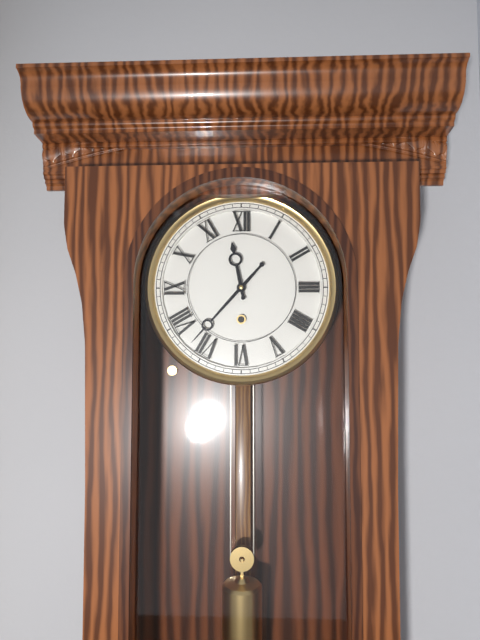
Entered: **11:37**
